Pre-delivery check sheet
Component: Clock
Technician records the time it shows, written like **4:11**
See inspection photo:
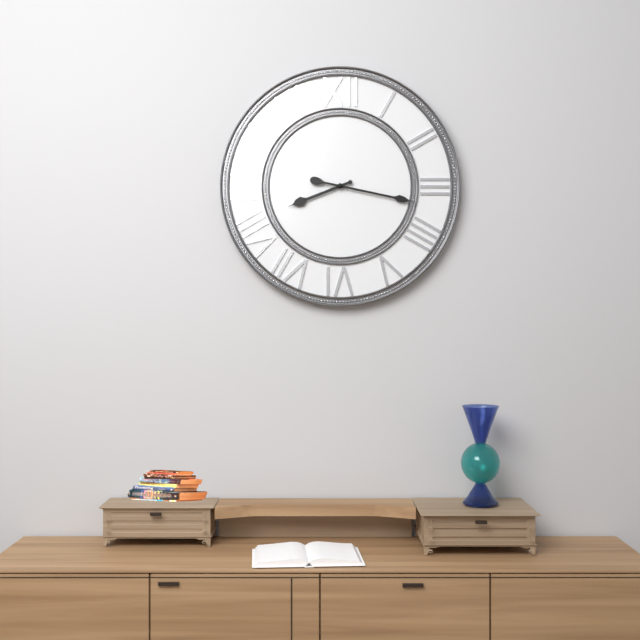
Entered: **8:17**
